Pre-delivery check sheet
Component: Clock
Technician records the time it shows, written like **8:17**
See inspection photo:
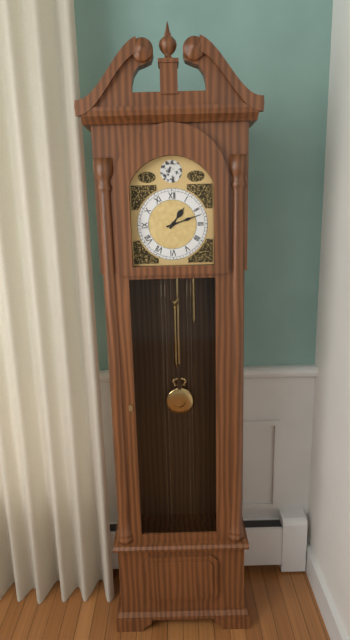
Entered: **1:12**
